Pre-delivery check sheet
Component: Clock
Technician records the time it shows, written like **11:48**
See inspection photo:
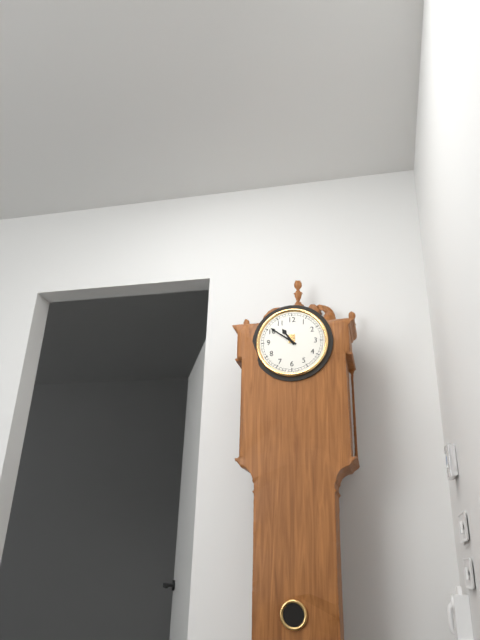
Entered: **10:51**
